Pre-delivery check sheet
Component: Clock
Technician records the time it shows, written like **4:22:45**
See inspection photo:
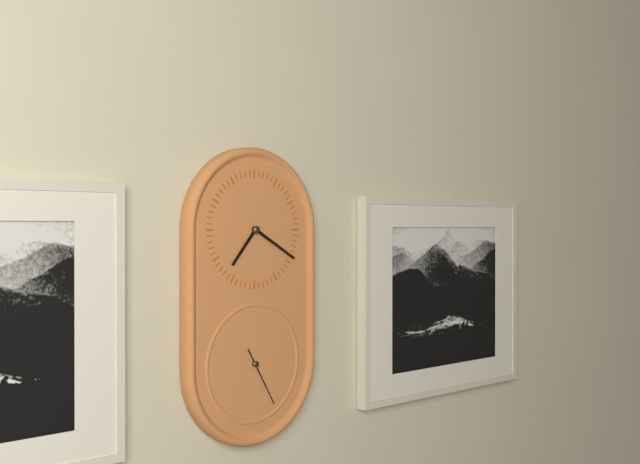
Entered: **7:20:25**
